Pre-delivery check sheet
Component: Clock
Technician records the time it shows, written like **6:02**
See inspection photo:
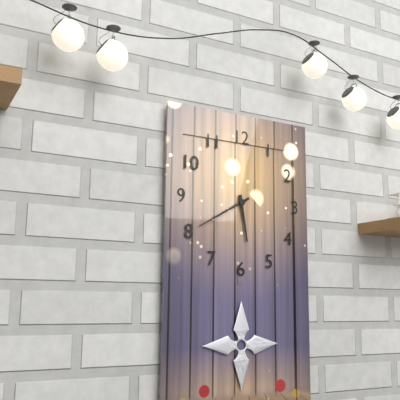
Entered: **5:40**
